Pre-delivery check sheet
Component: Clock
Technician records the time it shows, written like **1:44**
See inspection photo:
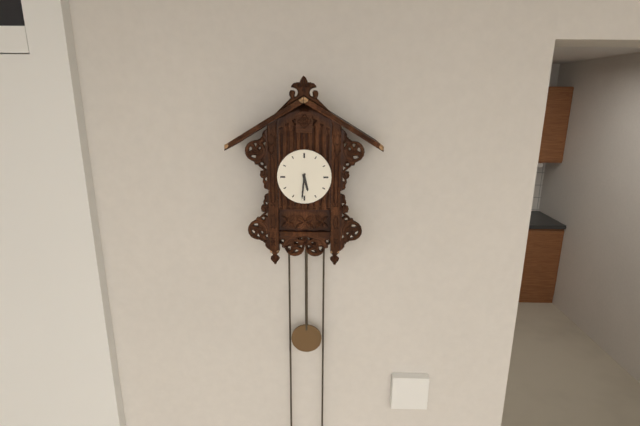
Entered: **5:31**
